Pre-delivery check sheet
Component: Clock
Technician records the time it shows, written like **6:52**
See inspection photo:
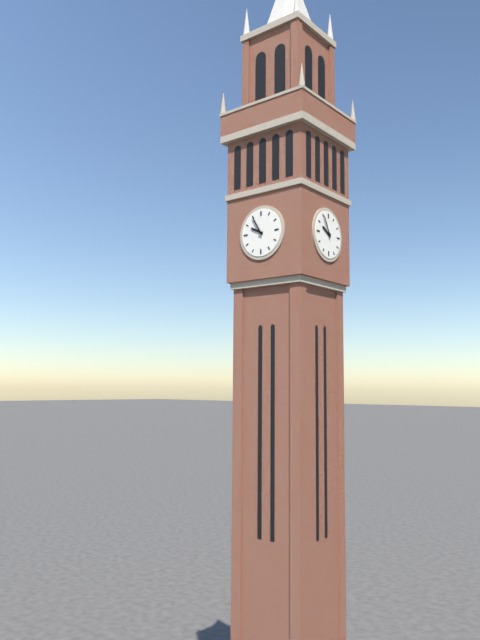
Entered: **9:55**
